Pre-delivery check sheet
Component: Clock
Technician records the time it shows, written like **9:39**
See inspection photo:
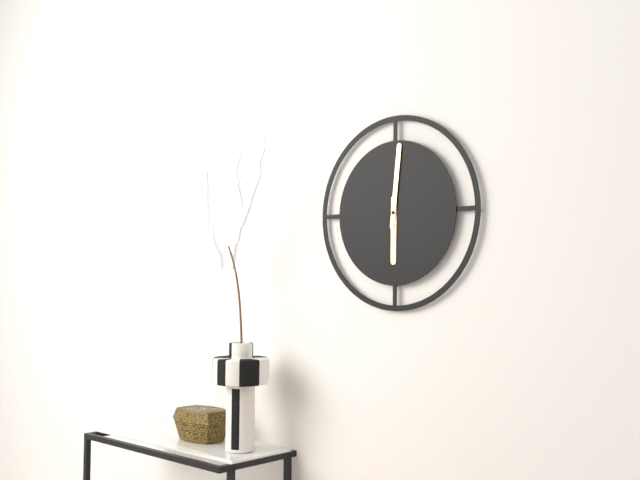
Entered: **6:01**
